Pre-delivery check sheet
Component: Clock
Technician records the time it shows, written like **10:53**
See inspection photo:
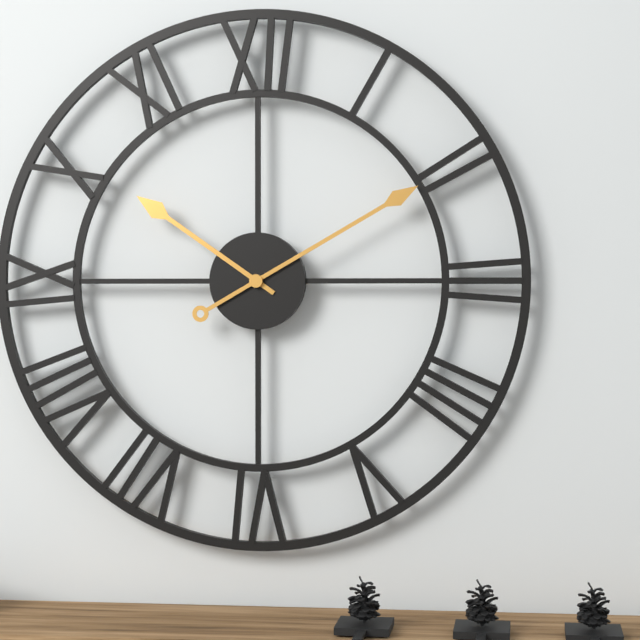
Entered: **10:10**
